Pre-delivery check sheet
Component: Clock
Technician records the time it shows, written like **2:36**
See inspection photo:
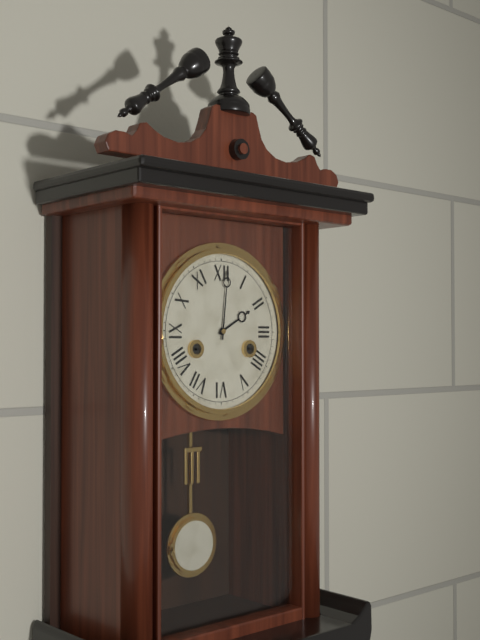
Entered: **2:01**
